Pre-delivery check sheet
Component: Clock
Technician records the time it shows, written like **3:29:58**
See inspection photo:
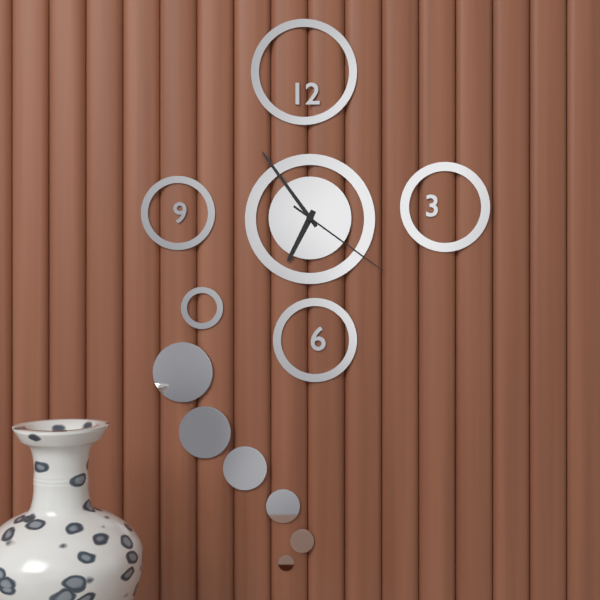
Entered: **6:54:21**
